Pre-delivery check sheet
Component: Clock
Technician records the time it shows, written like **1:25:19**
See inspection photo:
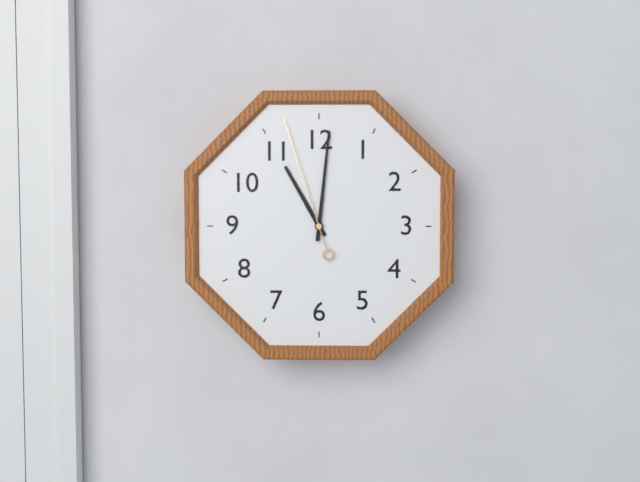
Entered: **11:01:57**
